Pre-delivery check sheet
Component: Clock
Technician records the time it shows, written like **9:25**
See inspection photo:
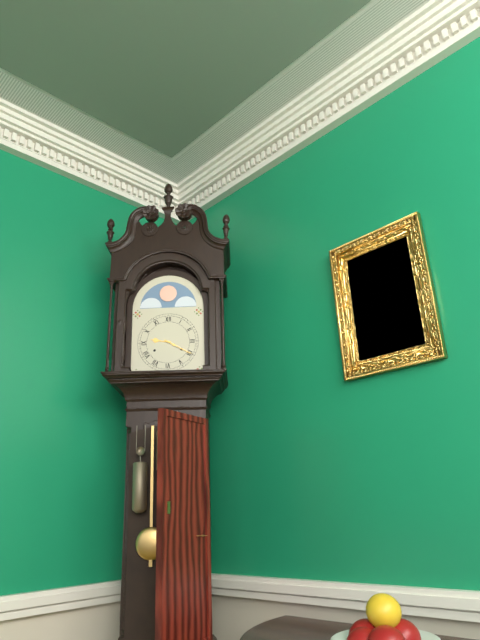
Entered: **9:20**
